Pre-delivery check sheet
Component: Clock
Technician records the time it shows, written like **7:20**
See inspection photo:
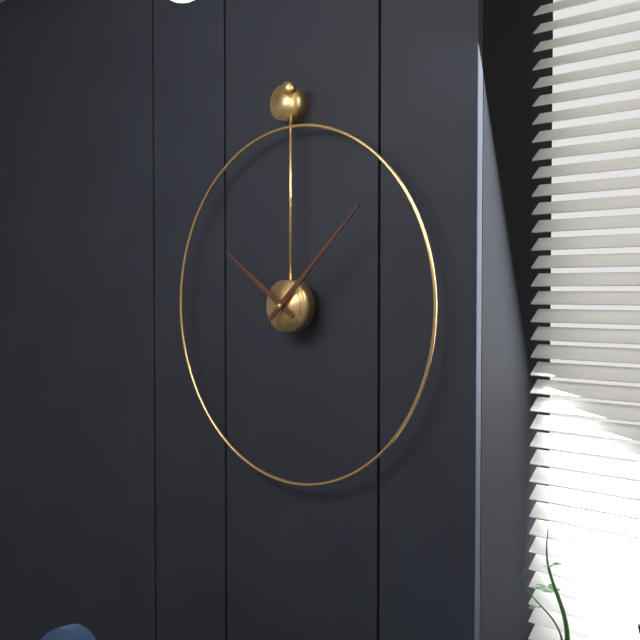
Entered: **10:08**
